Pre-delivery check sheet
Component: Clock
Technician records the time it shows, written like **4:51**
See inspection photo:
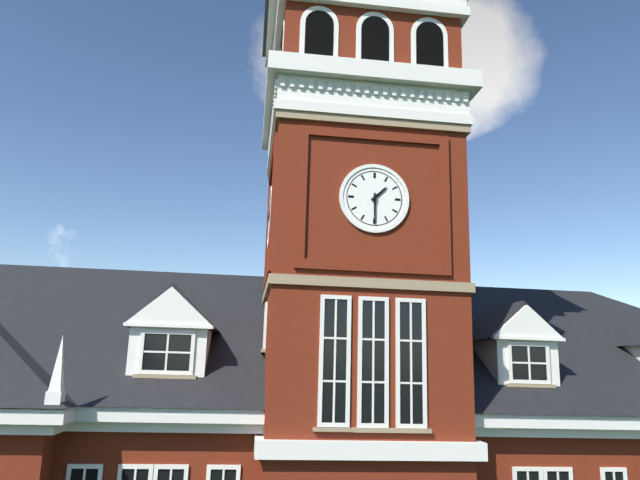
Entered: **1:30**
